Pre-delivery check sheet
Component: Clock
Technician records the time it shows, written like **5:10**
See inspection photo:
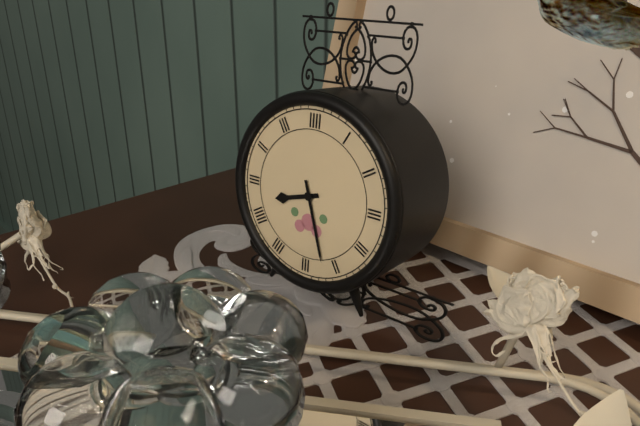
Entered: **8:27**
